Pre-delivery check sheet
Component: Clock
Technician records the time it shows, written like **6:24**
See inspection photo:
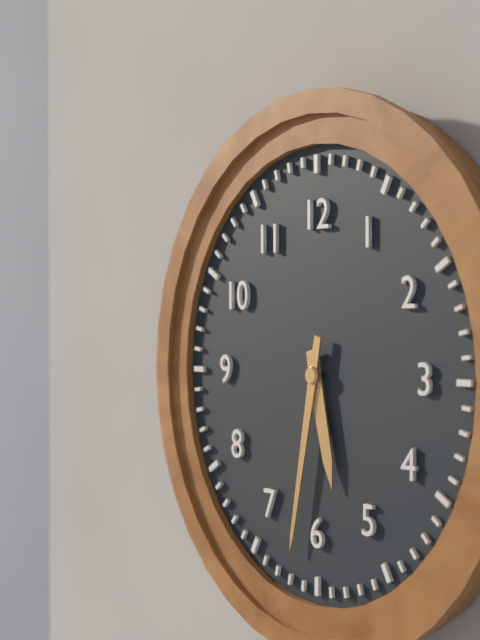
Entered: **5:32**
